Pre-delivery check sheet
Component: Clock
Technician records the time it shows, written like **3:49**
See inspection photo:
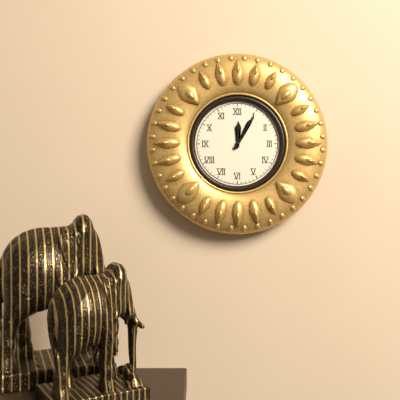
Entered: **12:05**
